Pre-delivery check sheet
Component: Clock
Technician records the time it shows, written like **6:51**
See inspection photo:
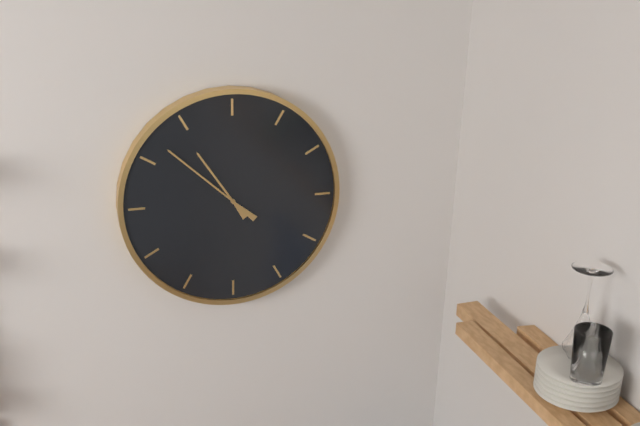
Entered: **10:52**
